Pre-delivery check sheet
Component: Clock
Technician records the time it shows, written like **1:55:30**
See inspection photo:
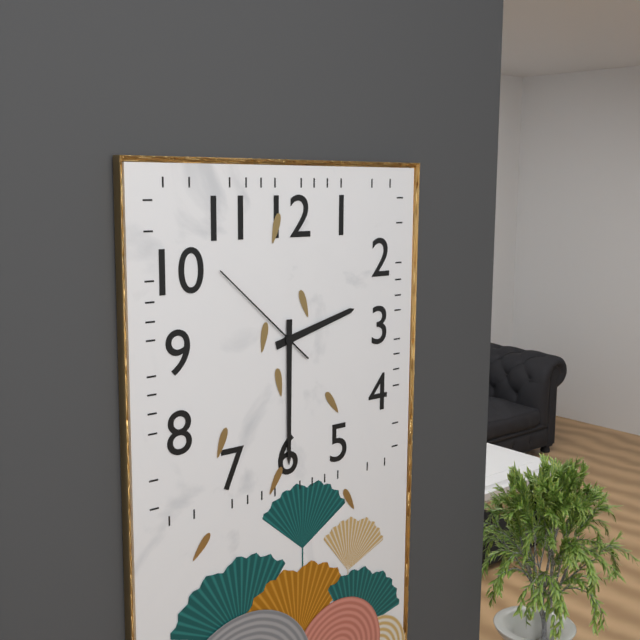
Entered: **2:30:52**
